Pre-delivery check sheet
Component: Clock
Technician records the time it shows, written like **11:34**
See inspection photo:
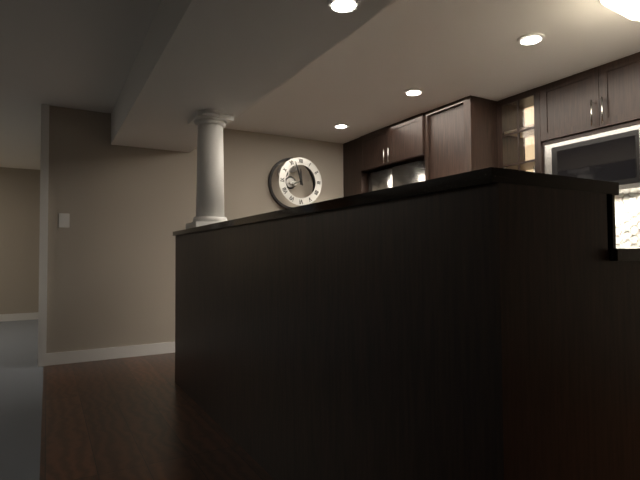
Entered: **11:57**
